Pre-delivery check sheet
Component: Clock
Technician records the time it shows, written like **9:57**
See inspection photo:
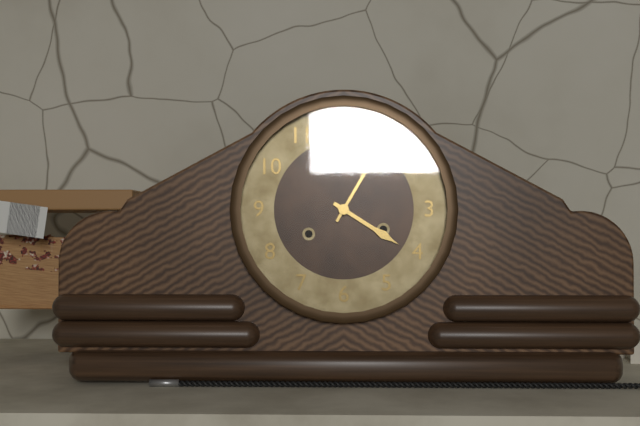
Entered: **4:05**
